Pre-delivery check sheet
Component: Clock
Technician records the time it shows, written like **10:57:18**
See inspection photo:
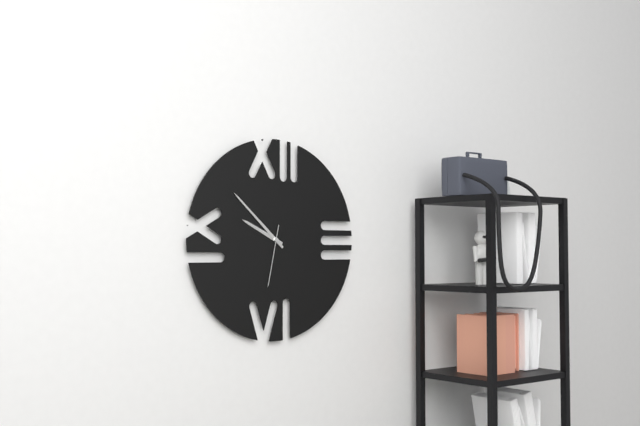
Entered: **9:52:32**
